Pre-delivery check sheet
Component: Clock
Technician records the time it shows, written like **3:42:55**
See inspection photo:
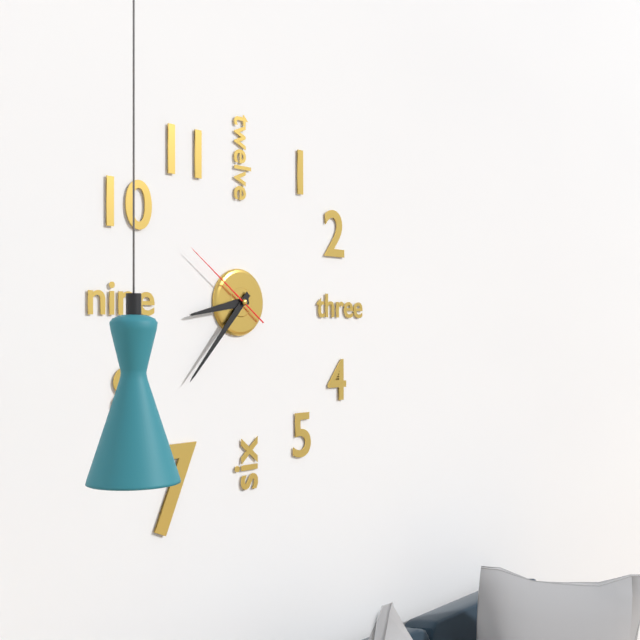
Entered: **8:37:51**
